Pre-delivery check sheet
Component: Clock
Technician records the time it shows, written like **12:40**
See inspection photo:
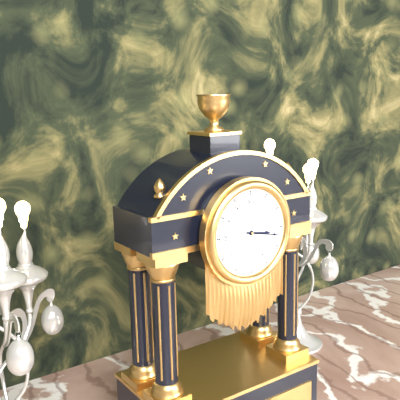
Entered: **3:17**
